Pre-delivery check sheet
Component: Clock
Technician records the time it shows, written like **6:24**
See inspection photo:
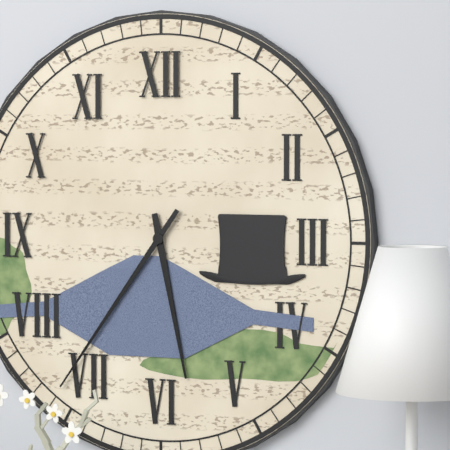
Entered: **5:36**
